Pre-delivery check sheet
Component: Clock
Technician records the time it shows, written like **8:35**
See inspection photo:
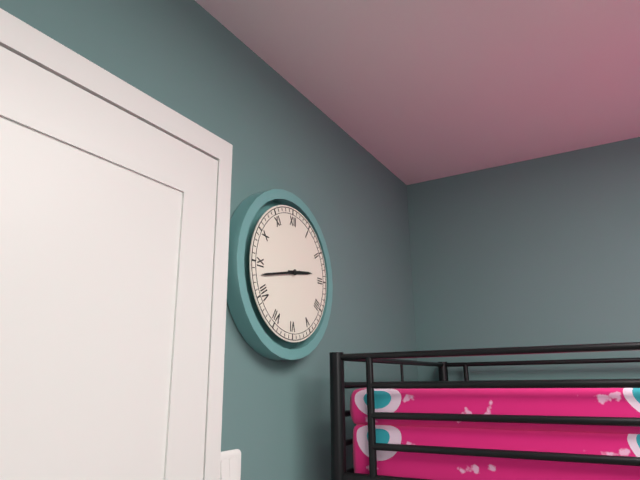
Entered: **2:43**
